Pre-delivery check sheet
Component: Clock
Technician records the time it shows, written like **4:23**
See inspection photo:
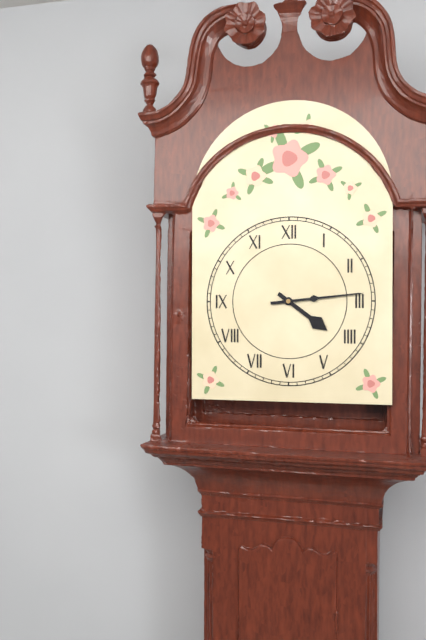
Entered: **4:14**
